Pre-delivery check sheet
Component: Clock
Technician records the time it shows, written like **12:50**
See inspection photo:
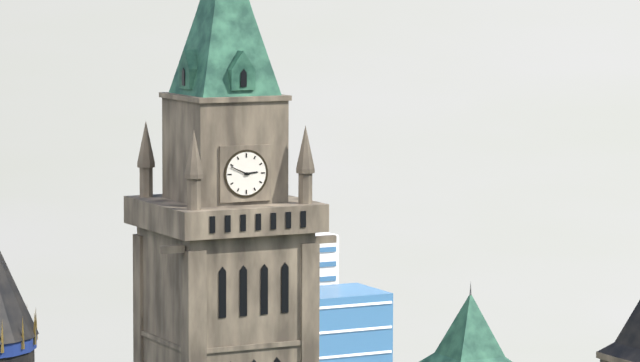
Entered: **2:49**
